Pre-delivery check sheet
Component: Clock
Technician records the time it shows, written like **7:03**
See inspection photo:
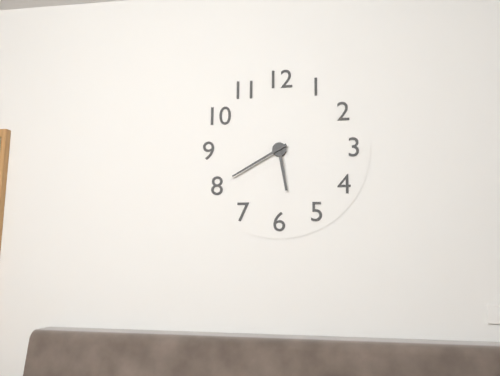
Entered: **5:40**
